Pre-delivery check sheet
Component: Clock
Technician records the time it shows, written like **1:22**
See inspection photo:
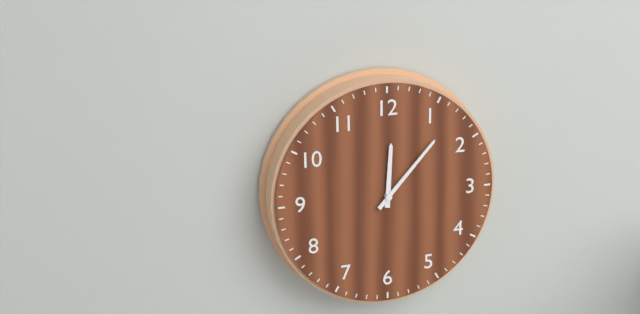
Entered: **12:07**
